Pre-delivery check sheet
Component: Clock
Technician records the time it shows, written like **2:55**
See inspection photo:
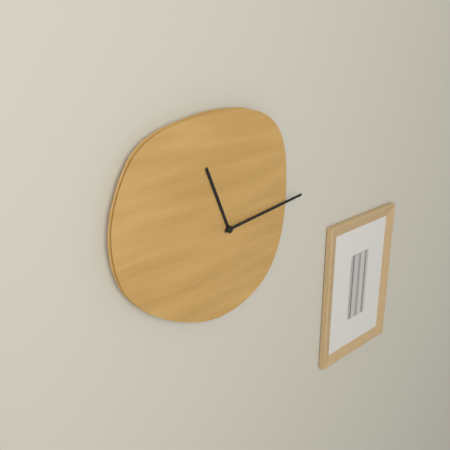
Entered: **11:14**
